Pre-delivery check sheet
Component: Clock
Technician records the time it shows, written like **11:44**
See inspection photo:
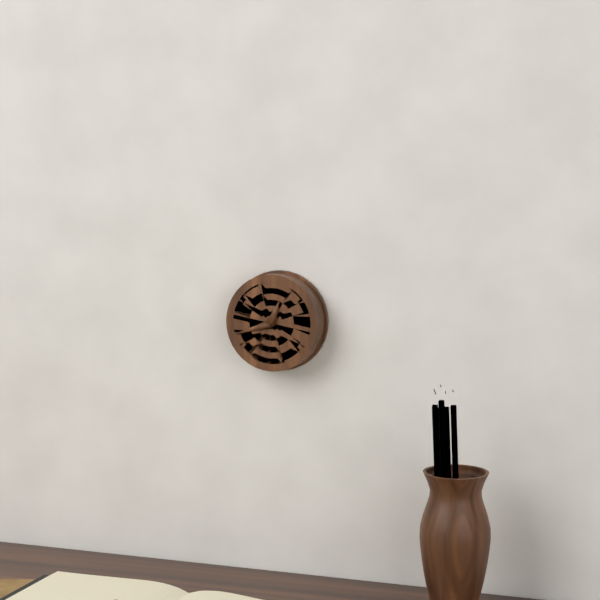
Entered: **12:42**
